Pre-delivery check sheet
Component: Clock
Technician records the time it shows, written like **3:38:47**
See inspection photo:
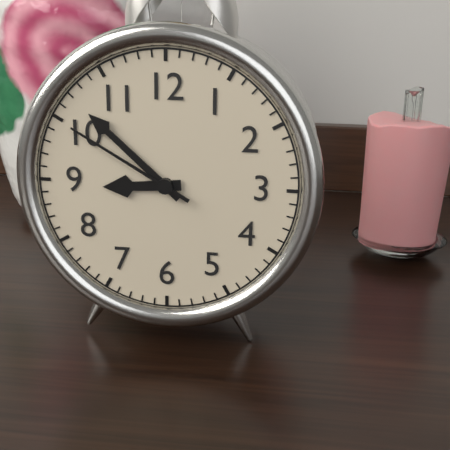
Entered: **8:52:50**
